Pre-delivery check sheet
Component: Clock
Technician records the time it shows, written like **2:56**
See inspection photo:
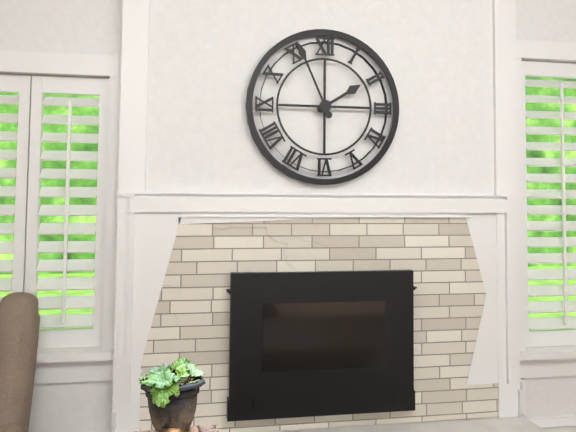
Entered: **1:56**
